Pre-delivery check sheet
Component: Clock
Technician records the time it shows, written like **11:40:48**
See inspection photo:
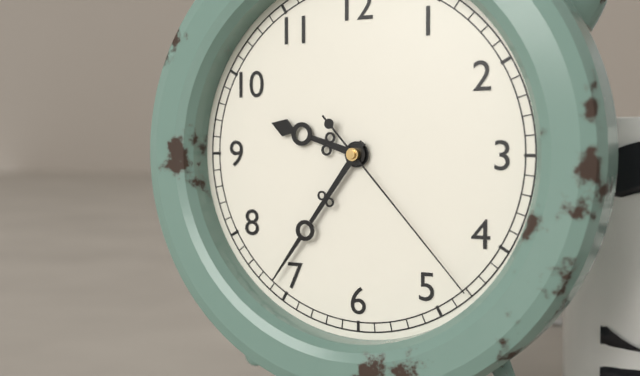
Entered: **9:36:23**
